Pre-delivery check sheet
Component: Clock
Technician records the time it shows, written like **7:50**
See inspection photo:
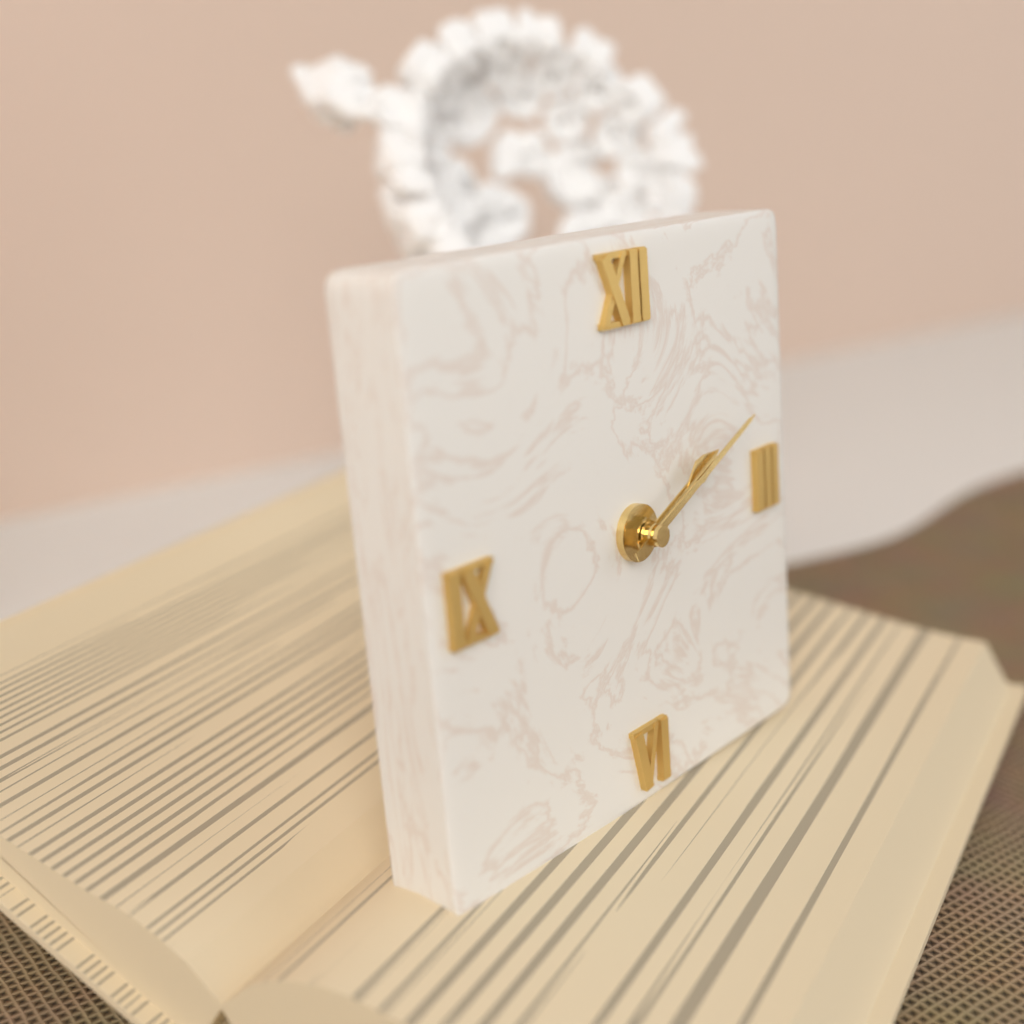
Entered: **2:11**
